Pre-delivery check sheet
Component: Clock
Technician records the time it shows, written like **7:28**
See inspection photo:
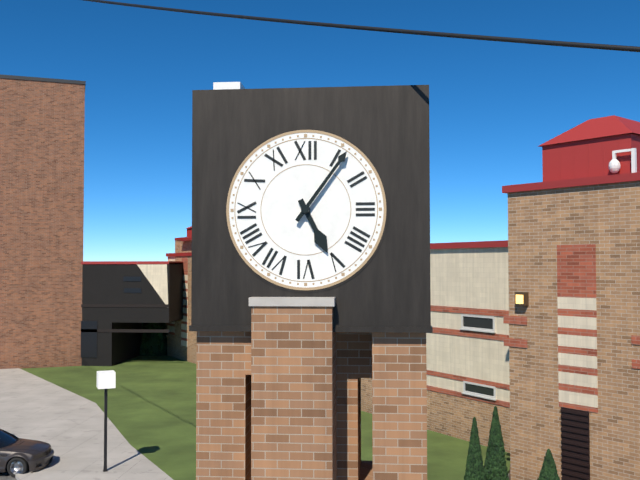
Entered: **5:06**
